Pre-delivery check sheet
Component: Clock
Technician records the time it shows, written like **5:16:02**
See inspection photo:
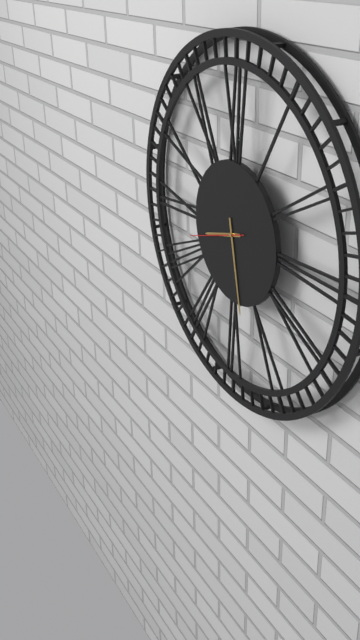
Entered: **8:28:42**
